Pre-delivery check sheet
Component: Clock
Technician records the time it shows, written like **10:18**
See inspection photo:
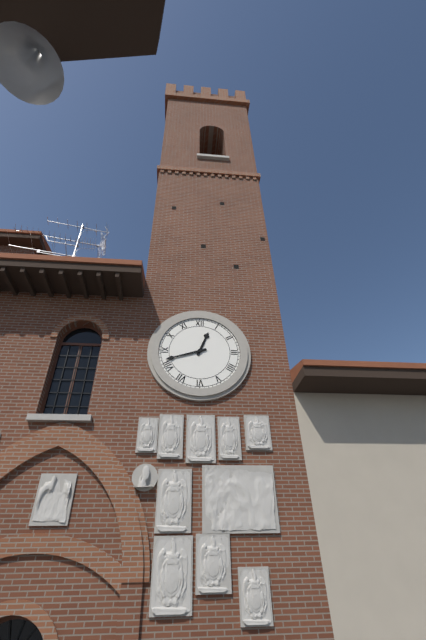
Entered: **12:42**
